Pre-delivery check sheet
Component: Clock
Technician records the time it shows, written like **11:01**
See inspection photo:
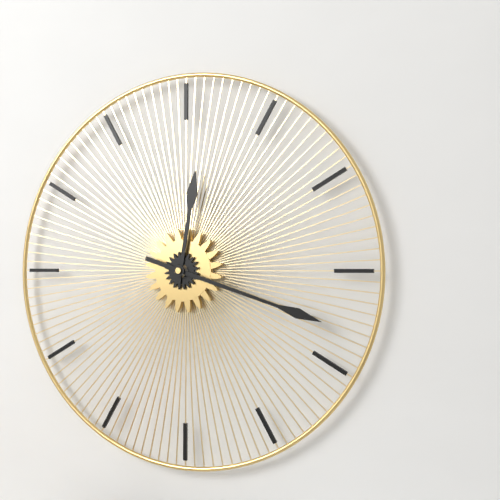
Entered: **12:18**
